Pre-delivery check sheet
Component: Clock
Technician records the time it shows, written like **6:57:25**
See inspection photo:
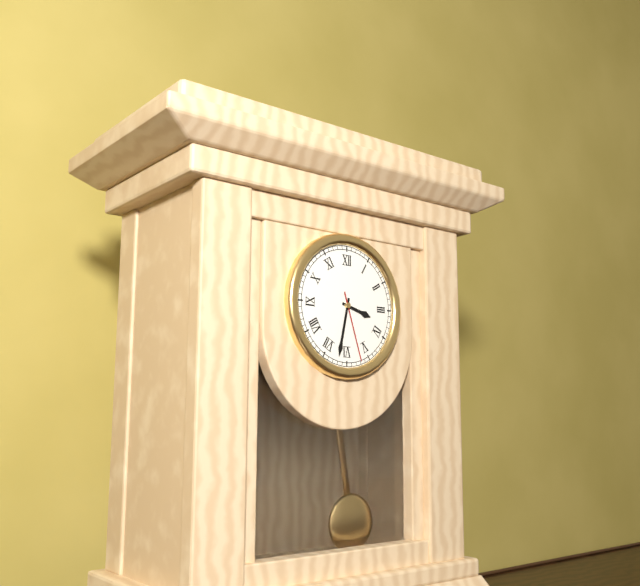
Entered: **3:32:27**
